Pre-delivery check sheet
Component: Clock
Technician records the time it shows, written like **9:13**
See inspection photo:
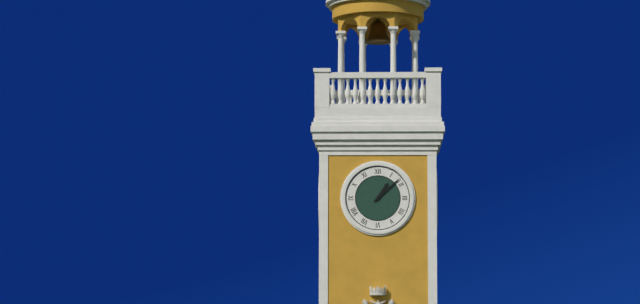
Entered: **1:08**
